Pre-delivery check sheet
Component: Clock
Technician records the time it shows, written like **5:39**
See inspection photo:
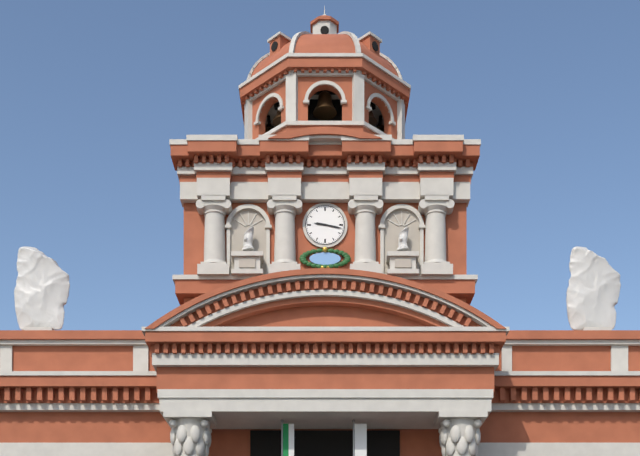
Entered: **9:17**
